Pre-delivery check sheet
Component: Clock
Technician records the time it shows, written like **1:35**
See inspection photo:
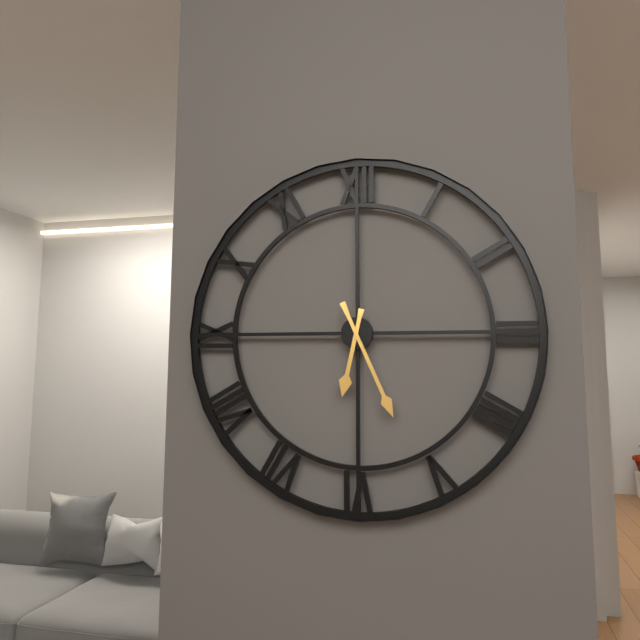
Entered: **6:26**
